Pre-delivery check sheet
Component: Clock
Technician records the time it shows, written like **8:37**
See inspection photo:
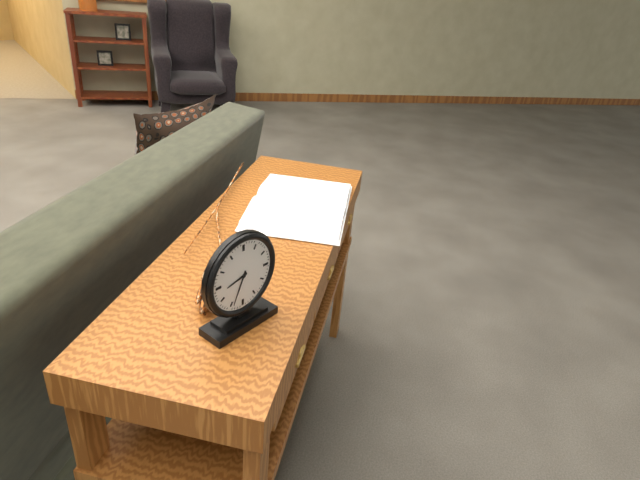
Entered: **8:34**
